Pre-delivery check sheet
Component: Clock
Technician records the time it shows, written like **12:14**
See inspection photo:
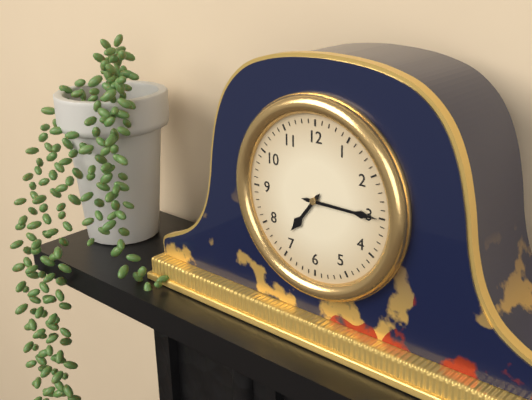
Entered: **7:15**
